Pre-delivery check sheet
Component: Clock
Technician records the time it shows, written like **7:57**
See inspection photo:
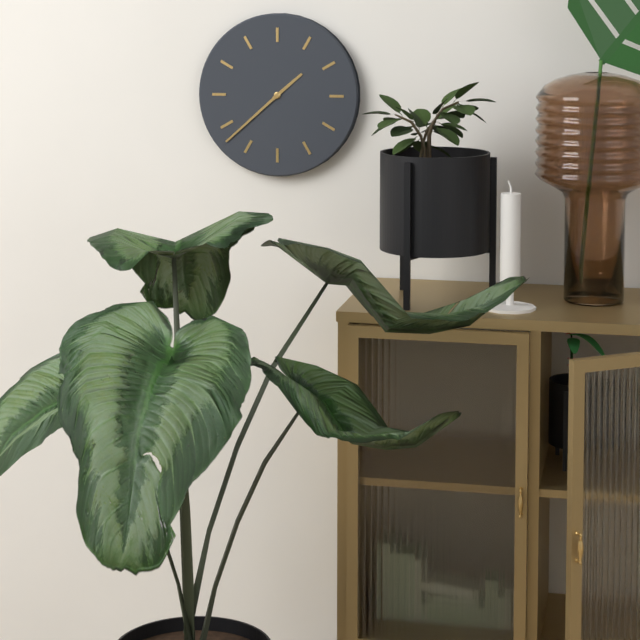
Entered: **1:38**
